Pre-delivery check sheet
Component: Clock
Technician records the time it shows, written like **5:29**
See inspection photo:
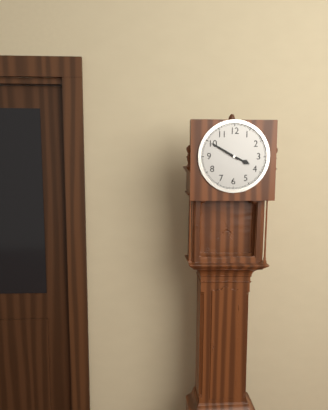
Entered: **3:50**
